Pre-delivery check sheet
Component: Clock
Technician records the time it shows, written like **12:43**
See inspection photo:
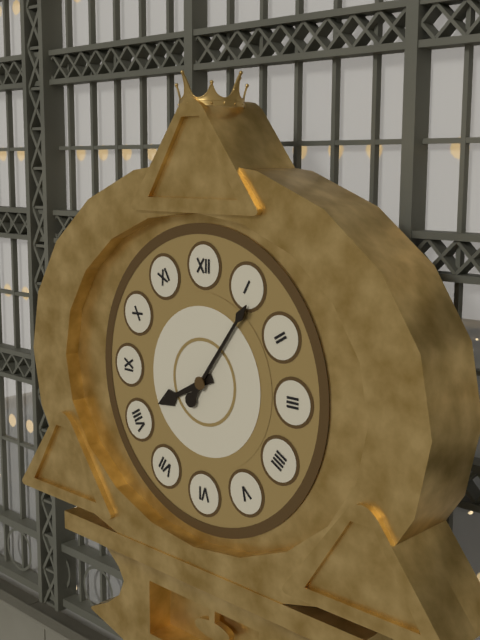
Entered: **8:06**
